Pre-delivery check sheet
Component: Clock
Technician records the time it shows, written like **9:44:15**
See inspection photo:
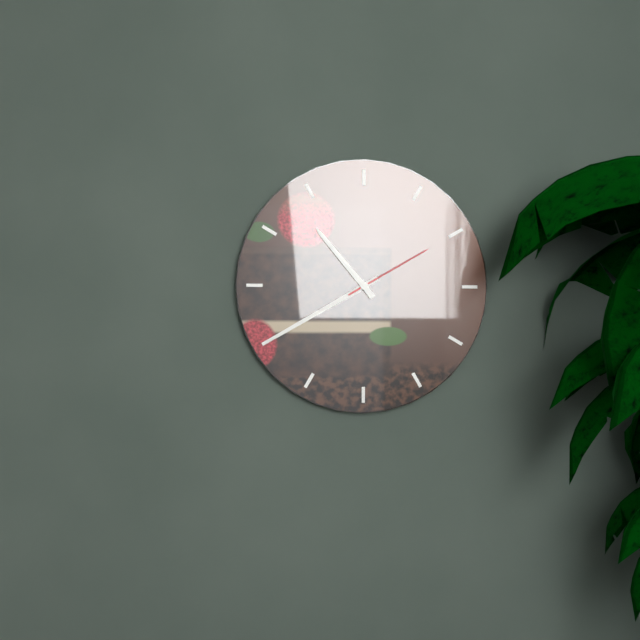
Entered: **10:40:10**
